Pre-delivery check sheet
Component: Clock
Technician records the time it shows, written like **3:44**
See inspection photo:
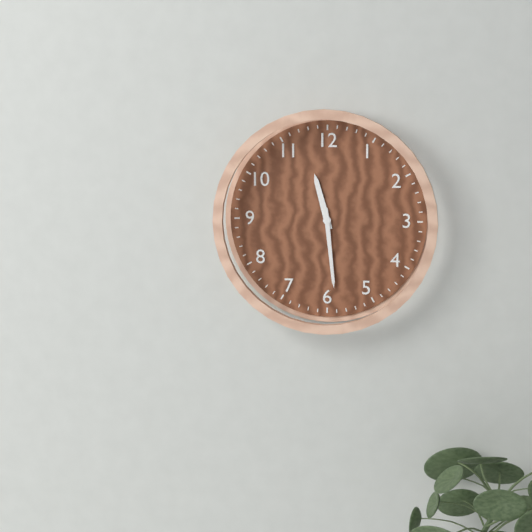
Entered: **11:29**
